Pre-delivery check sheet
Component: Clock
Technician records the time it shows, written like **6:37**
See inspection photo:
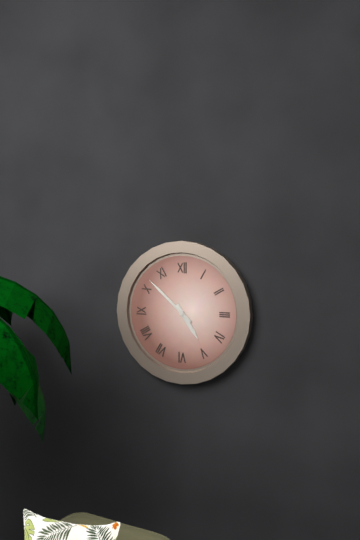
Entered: **4:52**
